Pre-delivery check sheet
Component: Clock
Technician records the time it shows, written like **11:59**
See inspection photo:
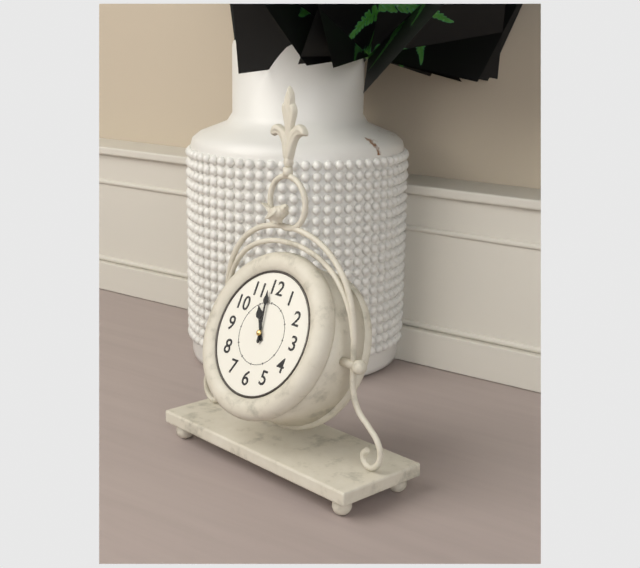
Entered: **10:58**
